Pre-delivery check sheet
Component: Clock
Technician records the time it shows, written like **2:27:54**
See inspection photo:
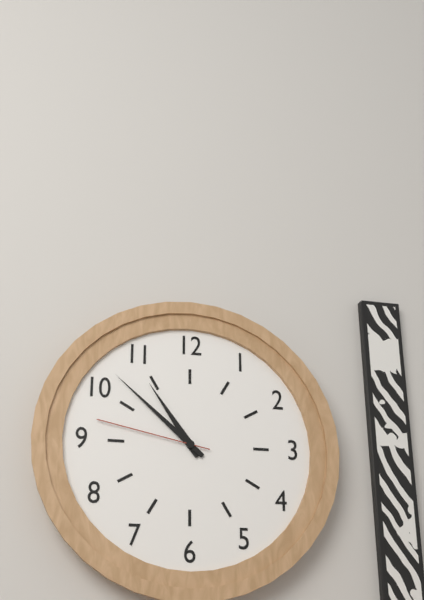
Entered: **10:52:47**
